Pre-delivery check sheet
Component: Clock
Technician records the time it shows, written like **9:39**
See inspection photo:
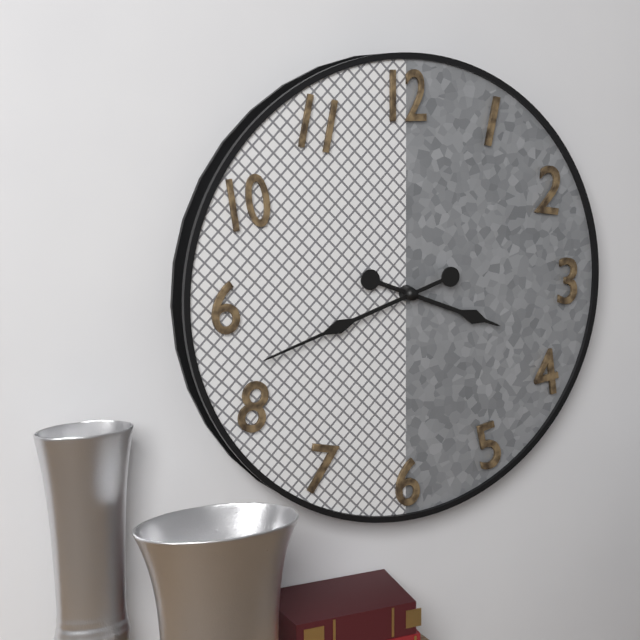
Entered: **3:42**
